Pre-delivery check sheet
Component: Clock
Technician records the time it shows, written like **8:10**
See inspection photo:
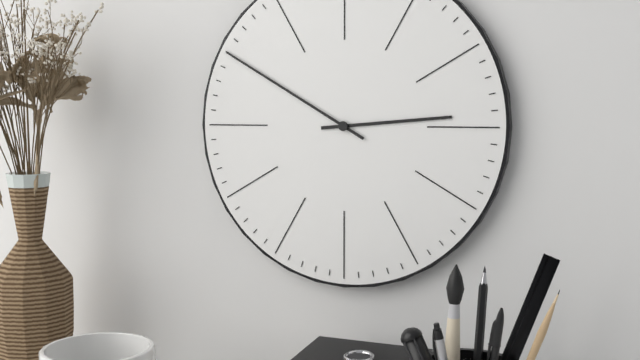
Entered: **2:50**
